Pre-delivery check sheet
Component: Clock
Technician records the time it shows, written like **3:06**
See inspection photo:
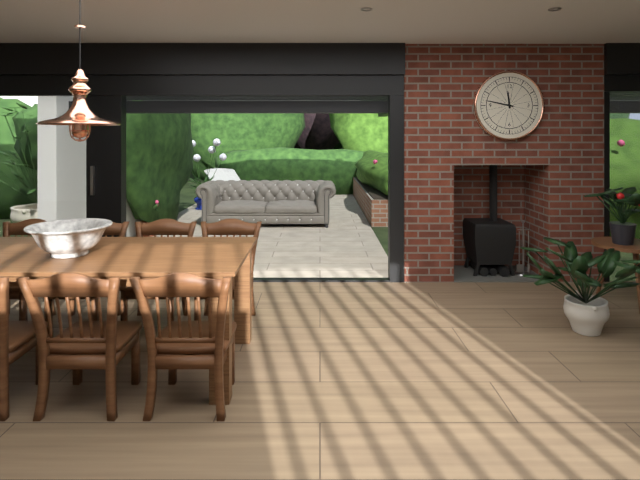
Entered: **11:47**
